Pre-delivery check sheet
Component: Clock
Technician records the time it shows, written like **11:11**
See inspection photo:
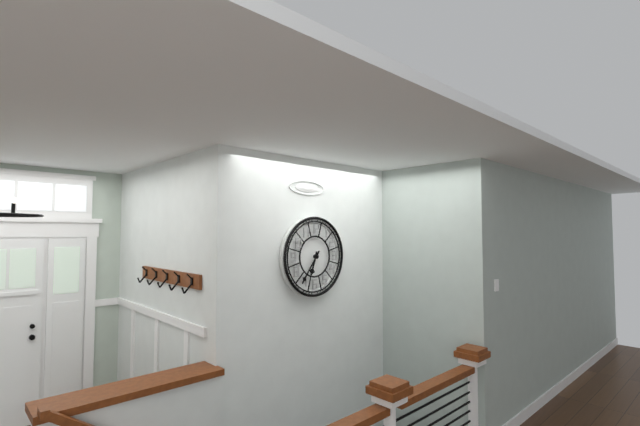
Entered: **6:36**
